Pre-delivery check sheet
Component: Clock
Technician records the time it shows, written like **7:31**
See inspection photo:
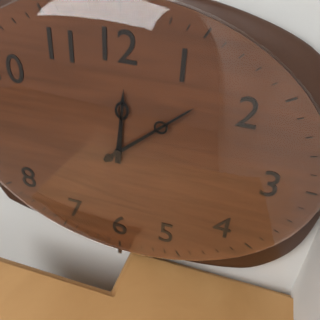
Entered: **12:08**
